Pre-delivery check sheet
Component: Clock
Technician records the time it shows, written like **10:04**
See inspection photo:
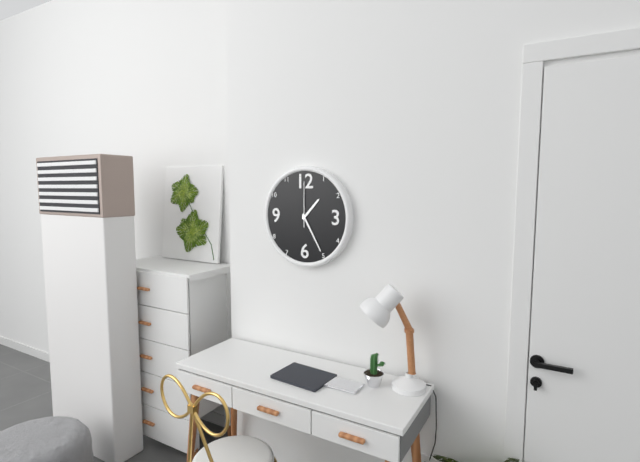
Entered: **1:25**
